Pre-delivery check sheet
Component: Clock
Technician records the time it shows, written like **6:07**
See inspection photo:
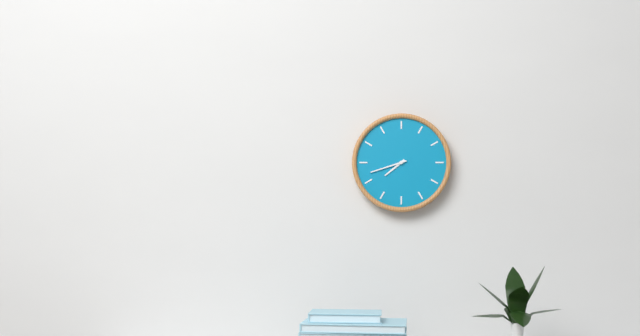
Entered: **7:42**
